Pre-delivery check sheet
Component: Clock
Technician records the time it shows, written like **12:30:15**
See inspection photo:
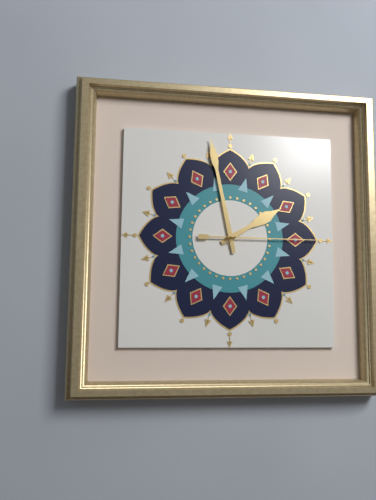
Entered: **1:58:15**
